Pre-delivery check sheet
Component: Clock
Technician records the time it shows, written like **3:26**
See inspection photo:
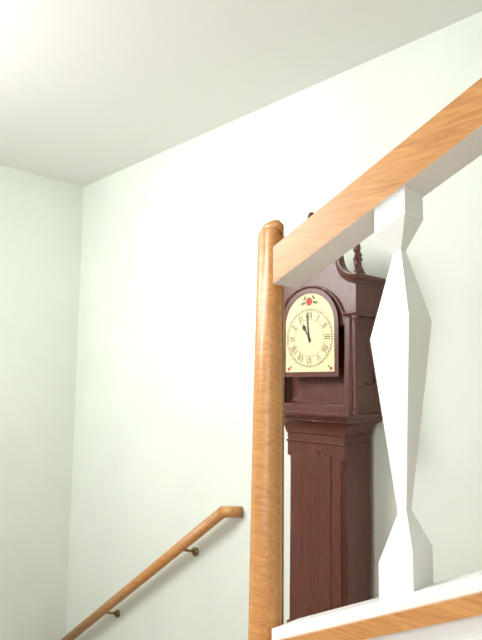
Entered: **10:59**
